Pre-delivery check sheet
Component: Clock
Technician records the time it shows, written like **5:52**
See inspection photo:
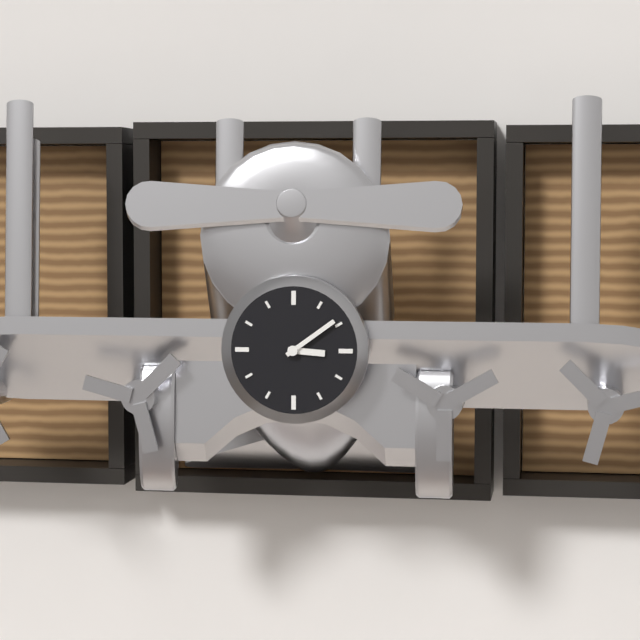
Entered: **3:09**
